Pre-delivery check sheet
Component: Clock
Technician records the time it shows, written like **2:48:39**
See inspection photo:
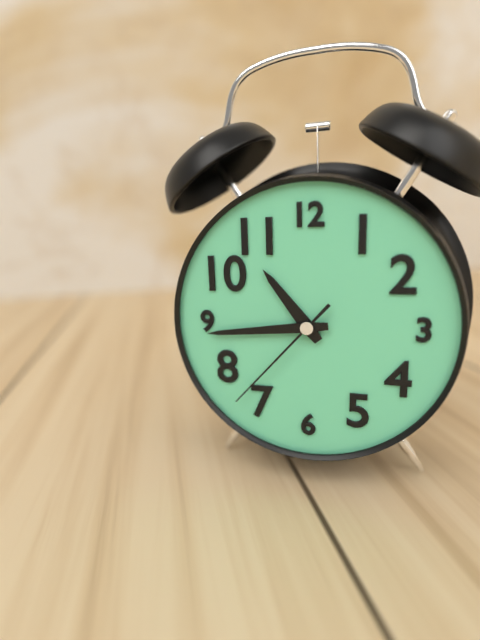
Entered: **10:44:37**
